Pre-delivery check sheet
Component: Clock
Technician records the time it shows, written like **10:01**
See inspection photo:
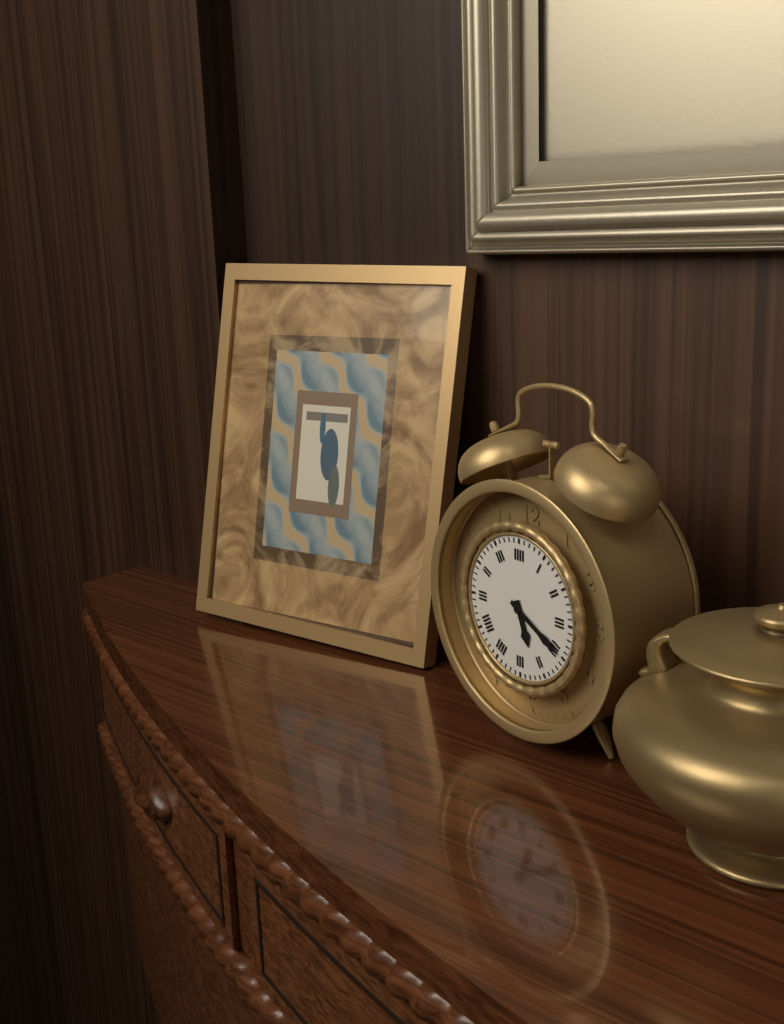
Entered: **5:20**
